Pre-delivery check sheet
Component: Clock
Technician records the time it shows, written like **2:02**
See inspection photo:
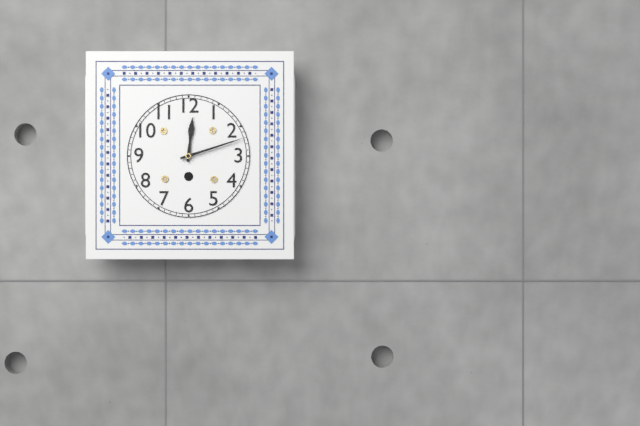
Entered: **12:12**
